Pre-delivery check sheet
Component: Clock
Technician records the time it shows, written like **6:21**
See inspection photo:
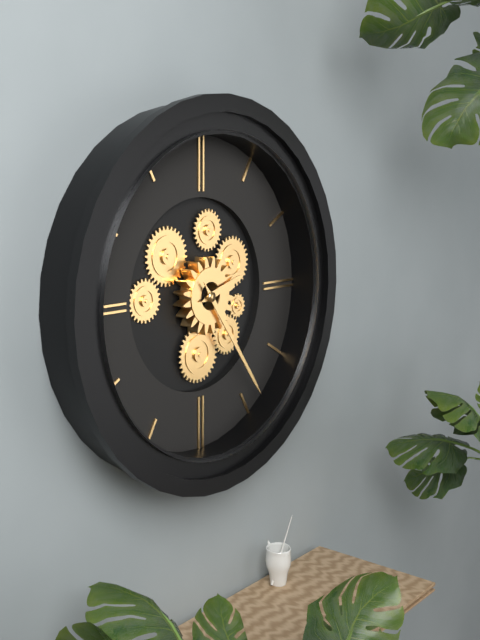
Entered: **2:24**
